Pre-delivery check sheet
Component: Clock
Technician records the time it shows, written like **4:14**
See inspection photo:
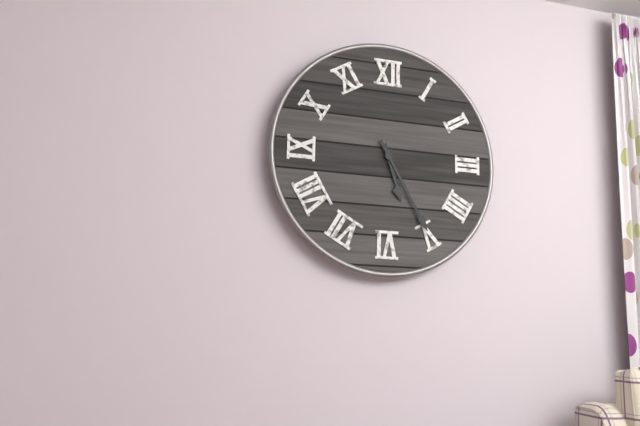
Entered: **5:25**
